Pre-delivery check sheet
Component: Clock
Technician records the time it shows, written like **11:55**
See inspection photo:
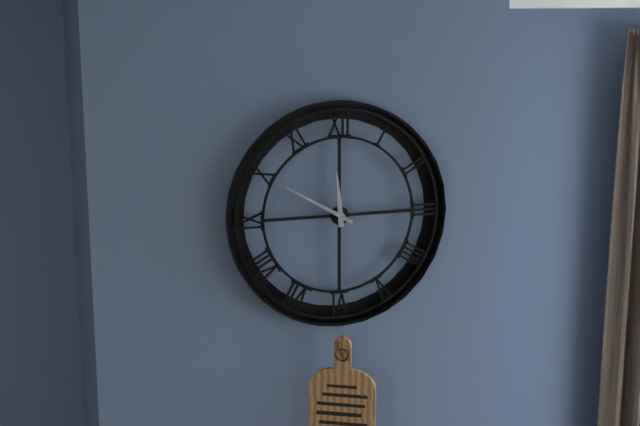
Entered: **11:50**
